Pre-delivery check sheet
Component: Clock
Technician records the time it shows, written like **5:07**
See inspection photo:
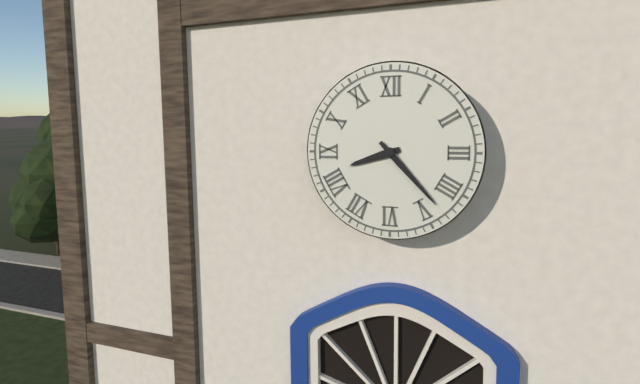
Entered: **8:23**
